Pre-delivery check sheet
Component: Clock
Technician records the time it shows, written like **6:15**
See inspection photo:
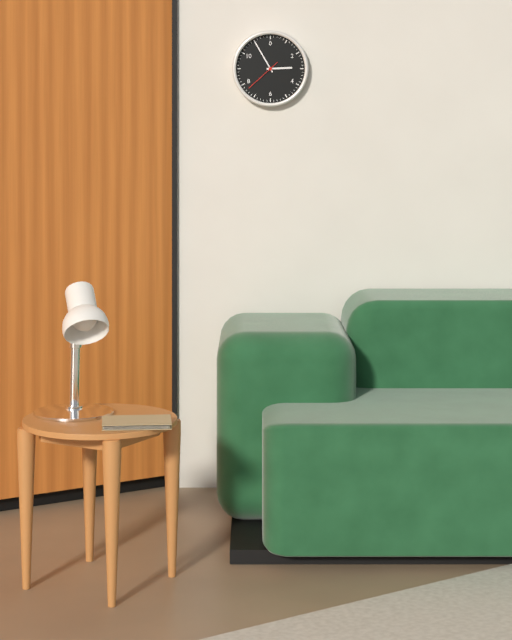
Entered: **2:55**
